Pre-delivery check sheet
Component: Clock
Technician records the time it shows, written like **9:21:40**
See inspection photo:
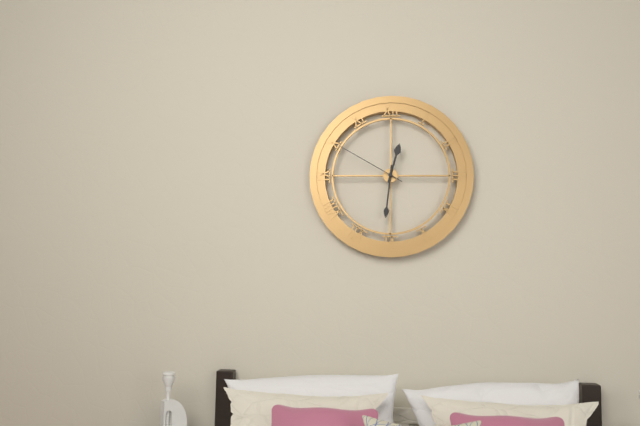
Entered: **12:31:50**
